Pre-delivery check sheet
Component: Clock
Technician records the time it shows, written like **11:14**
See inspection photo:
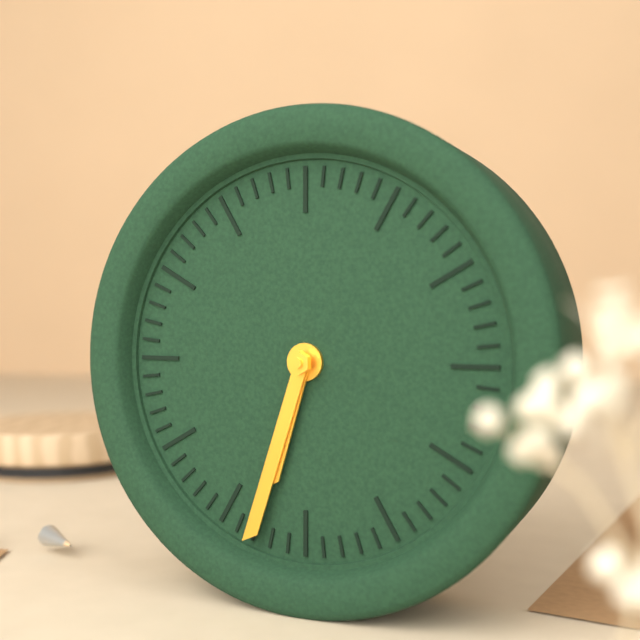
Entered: **6:33**
